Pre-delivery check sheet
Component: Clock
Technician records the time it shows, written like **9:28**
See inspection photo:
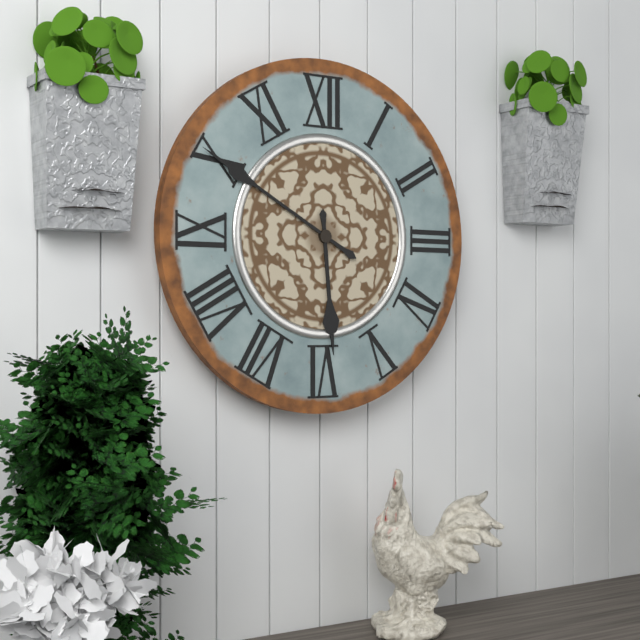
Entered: **5:50**
